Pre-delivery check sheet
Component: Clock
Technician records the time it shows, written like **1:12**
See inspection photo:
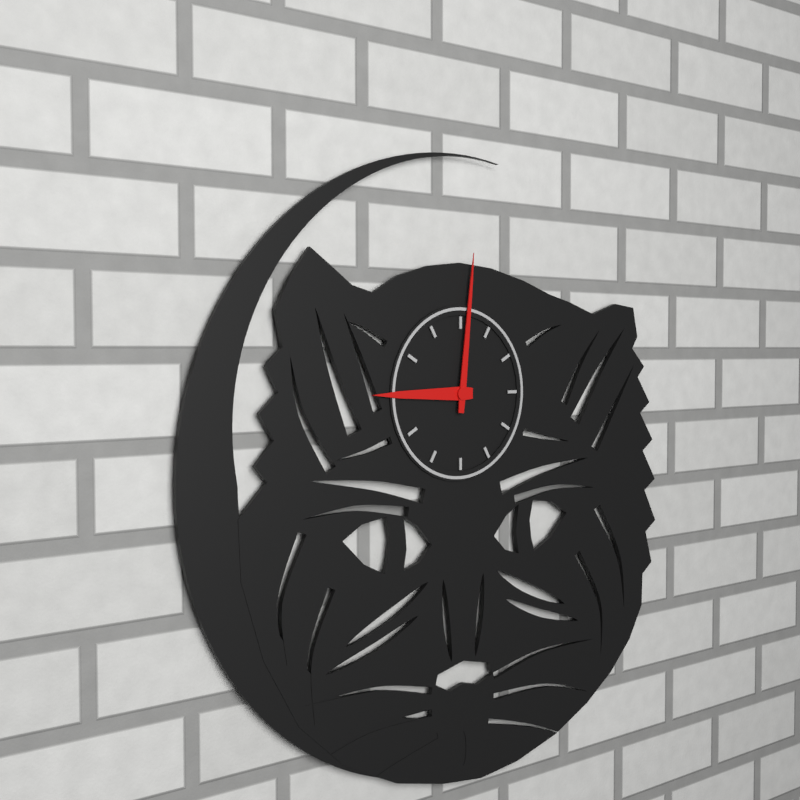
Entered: **9:01**
